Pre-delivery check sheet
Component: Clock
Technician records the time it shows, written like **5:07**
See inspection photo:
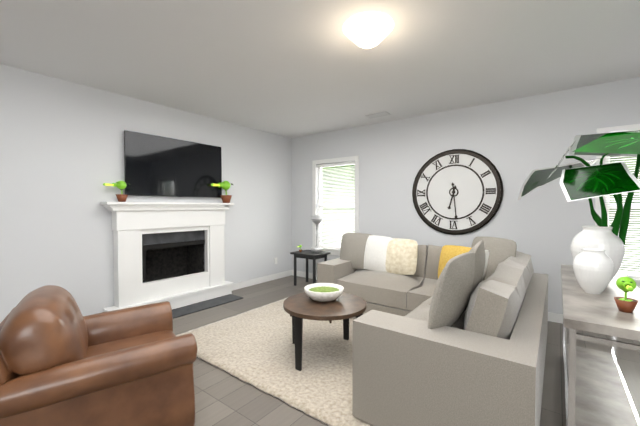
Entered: **6:29**
